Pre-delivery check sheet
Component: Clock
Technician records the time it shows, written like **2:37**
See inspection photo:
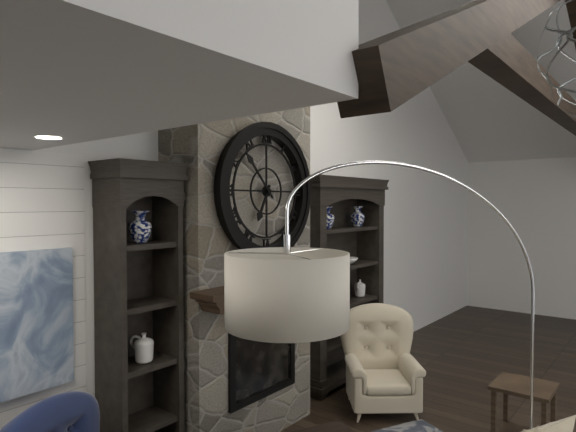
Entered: **6:53**
